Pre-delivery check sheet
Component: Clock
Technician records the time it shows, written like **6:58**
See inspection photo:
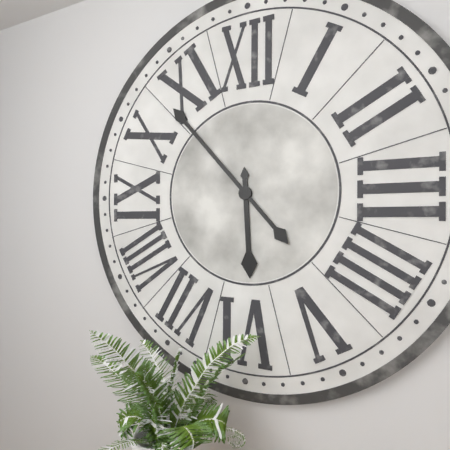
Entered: **5:53**
